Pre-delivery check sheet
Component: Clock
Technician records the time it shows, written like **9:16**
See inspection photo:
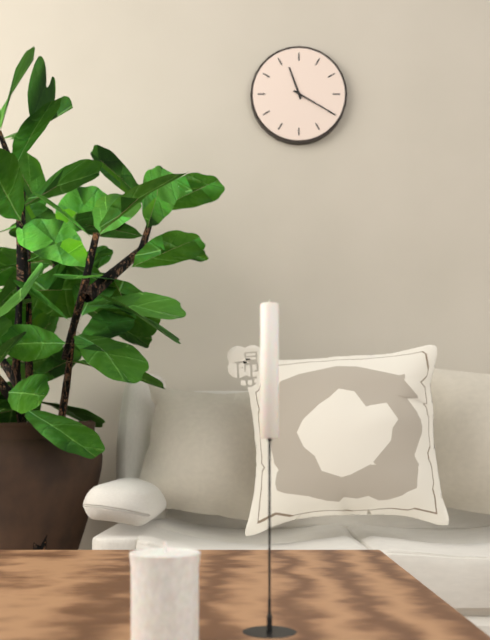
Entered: **11:20**
